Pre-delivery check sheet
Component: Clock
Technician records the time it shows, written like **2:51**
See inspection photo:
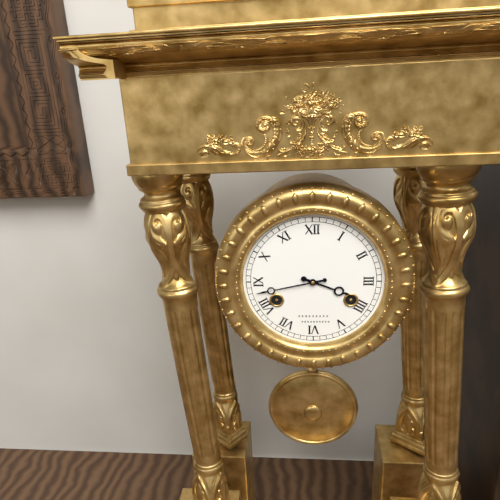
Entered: **3:43**
